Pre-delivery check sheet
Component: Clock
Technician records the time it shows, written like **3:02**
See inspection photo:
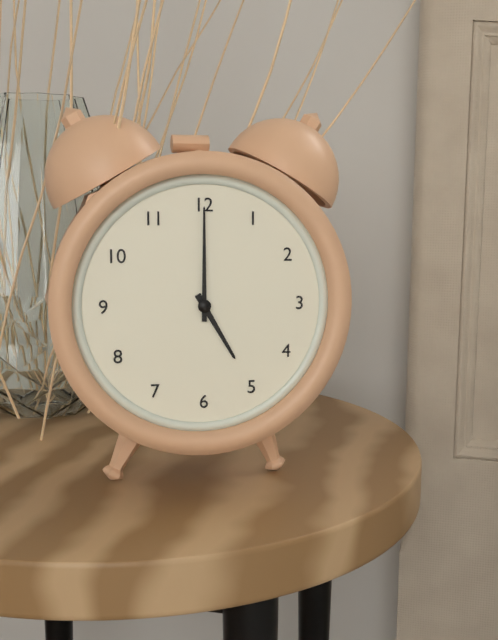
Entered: **5:00**
